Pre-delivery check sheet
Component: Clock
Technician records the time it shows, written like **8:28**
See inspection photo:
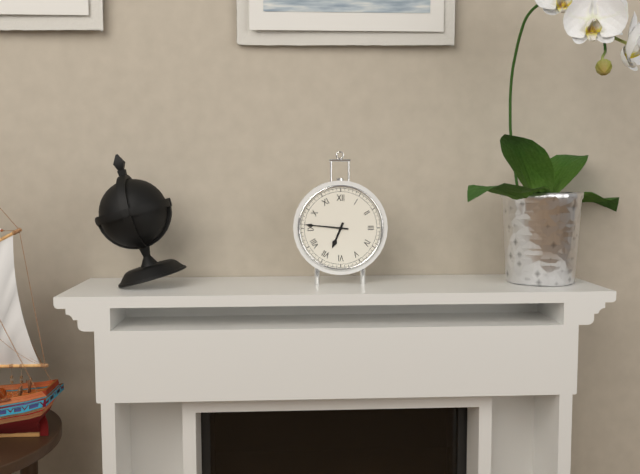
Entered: **6:46**
